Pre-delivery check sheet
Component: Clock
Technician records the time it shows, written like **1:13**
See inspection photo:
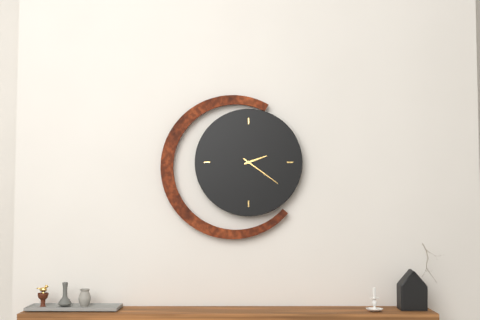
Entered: **2:21**
